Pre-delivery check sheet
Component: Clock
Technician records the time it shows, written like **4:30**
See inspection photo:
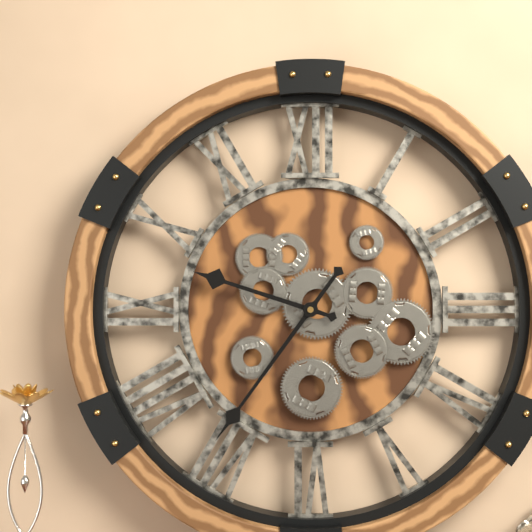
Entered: **9:36**
